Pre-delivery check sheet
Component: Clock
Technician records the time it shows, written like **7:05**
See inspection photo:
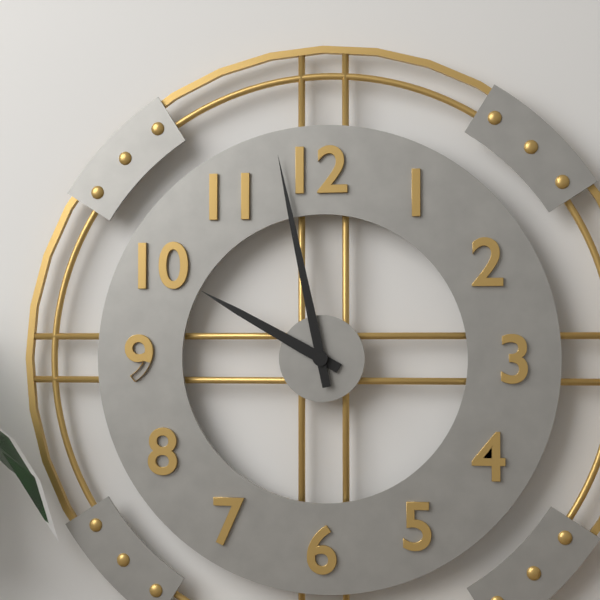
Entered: **9:58**
